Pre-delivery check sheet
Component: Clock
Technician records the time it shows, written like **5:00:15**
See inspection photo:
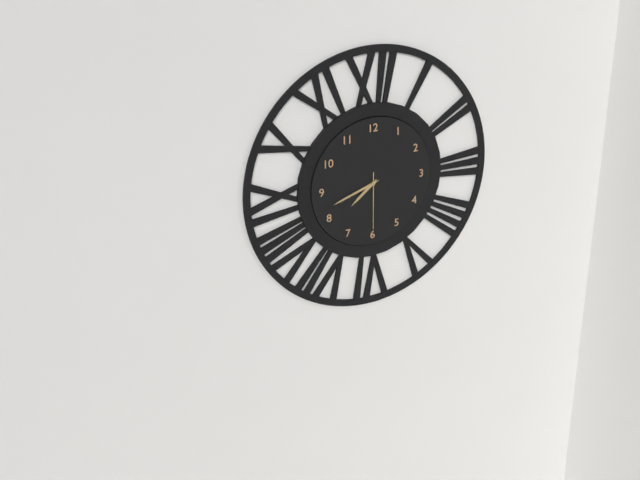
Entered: **7:42:30**
